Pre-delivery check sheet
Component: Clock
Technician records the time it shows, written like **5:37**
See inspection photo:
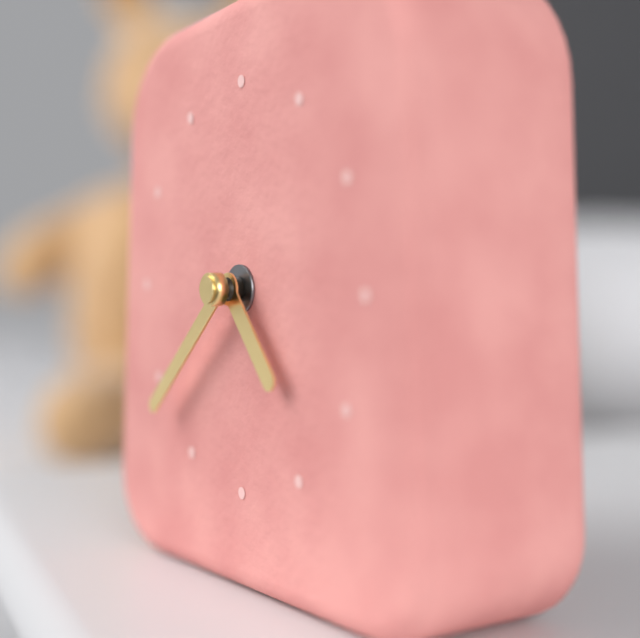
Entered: **4:38**
